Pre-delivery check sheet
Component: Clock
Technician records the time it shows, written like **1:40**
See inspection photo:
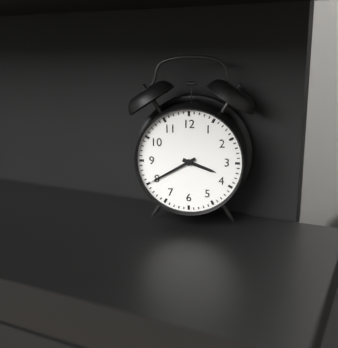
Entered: **3:40**
